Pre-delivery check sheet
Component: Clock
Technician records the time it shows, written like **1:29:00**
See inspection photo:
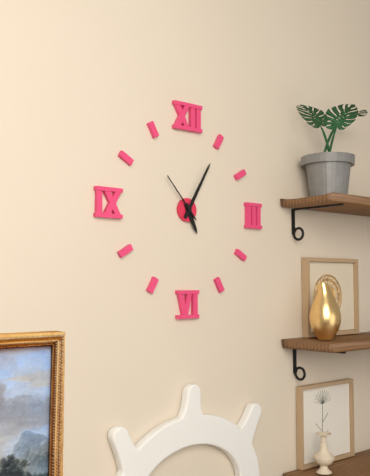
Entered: **5:05:53**
